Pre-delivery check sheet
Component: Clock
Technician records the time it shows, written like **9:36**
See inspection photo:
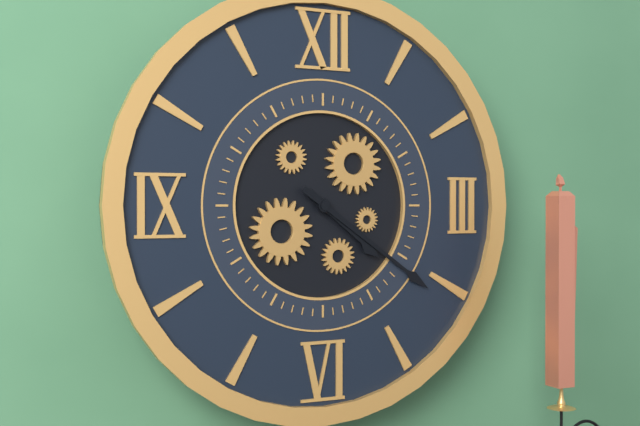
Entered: **4:21**
